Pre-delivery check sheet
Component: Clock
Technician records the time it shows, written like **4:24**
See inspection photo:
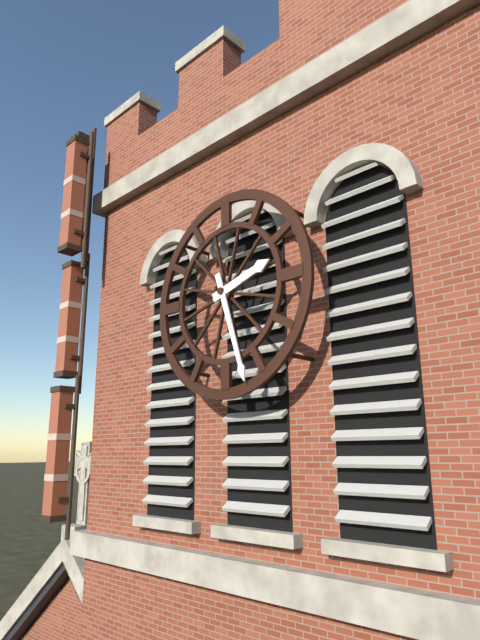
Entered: **2:27**
